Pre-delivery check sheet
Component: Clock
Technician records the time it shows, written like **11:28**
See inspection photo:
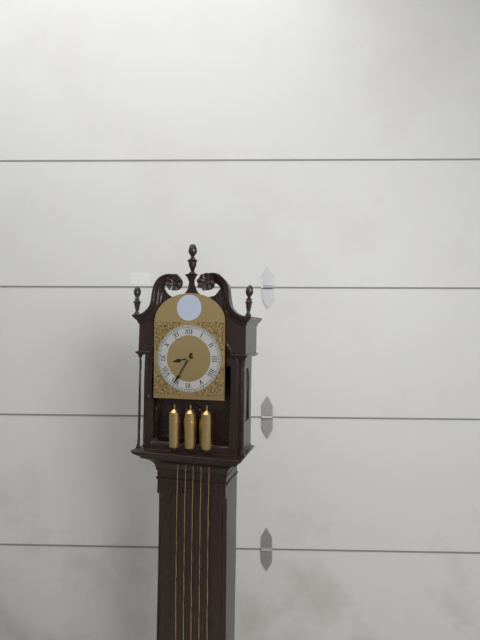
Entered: **8:35**
